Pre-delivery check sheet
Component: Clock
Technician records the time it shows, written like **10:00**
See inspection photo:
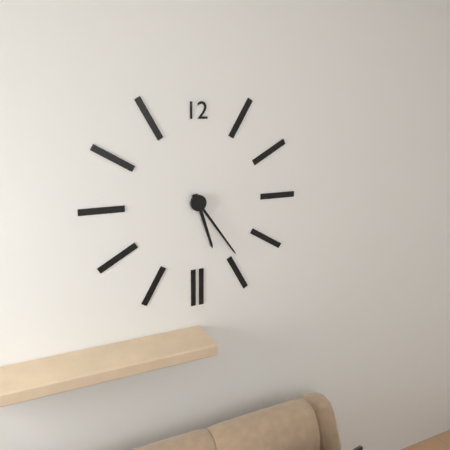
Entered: **5:24**
